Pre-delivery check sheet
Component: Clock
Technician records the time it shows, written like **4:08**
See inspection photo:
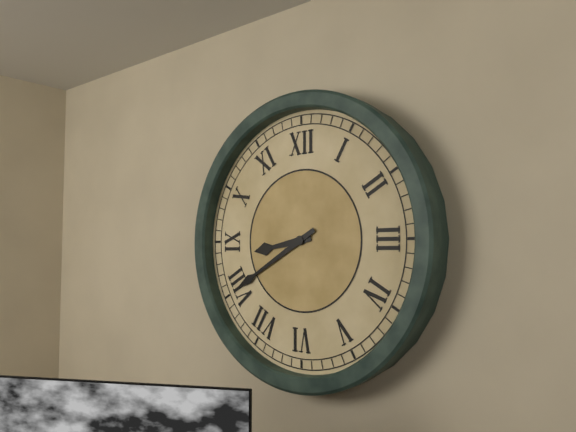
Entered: **8:40**
